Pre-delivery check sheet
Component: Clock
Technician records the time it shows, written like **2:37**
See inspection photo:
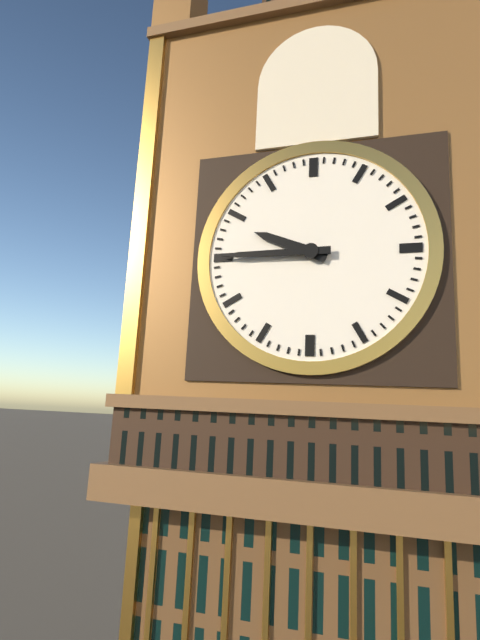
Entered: **9:45**
